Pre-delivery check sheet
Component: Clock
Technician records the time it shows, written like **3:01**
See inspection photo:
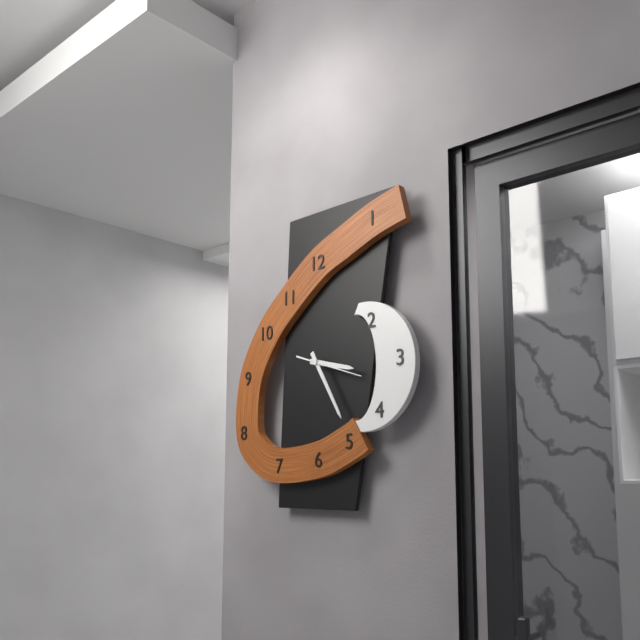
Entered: **3:25**
